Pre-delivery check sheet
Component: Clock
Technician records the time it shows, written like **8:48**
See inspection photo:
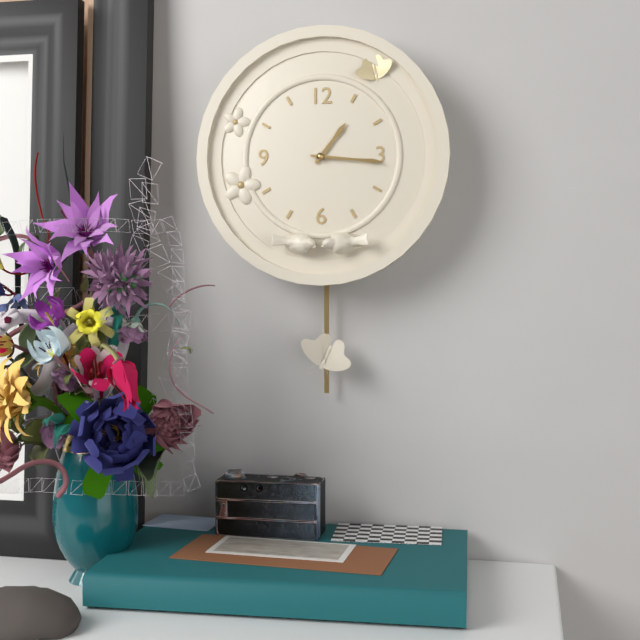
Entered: **1:16**
